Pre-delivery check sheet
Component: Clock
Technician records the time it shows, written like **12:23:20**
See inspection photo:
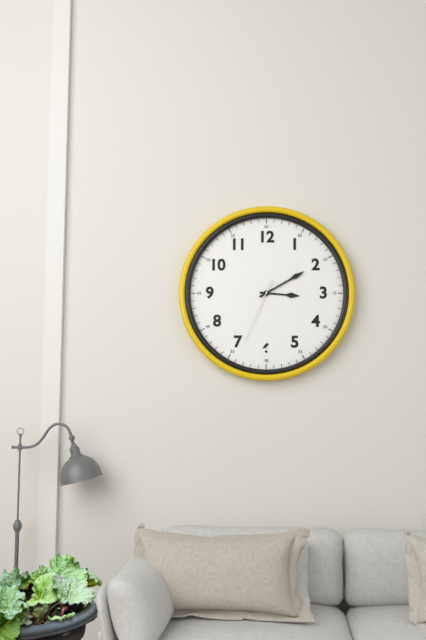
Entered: **3:10:34**
